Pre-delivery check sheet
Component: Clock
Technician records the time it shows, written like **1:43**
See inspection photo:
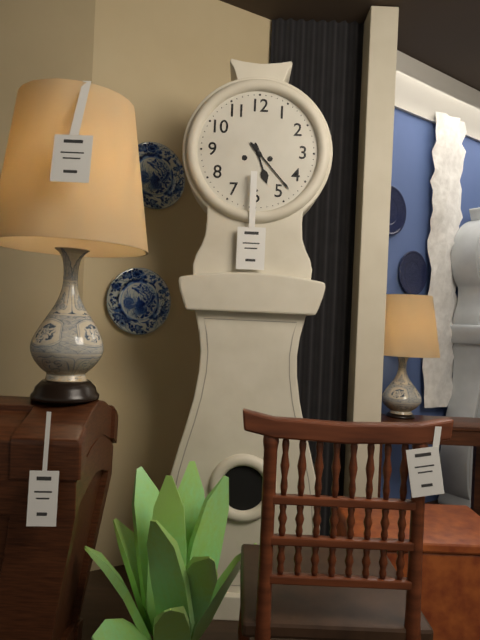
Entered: **5:23**
